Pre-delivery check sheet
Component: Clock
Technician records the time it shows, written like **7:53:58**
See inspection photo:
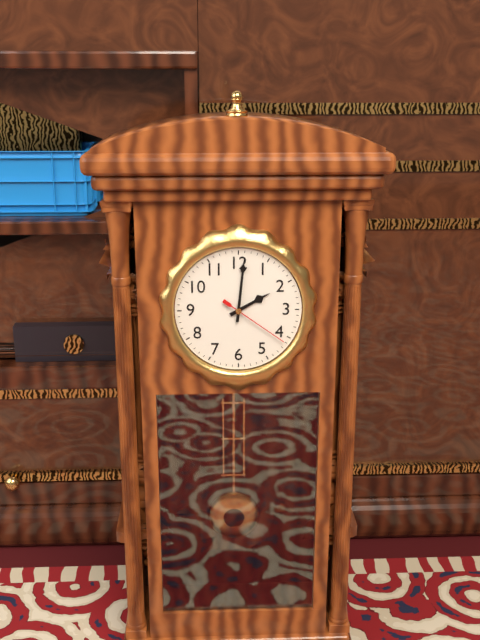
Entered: **2:01:21**
